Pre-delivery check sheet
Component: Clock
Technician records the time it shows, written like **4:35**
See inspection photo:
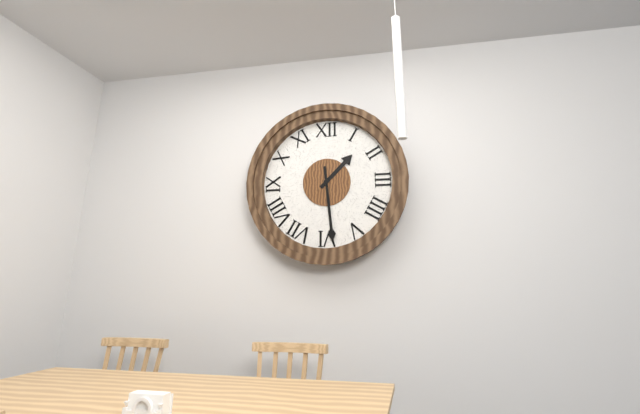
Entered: **1:29**
